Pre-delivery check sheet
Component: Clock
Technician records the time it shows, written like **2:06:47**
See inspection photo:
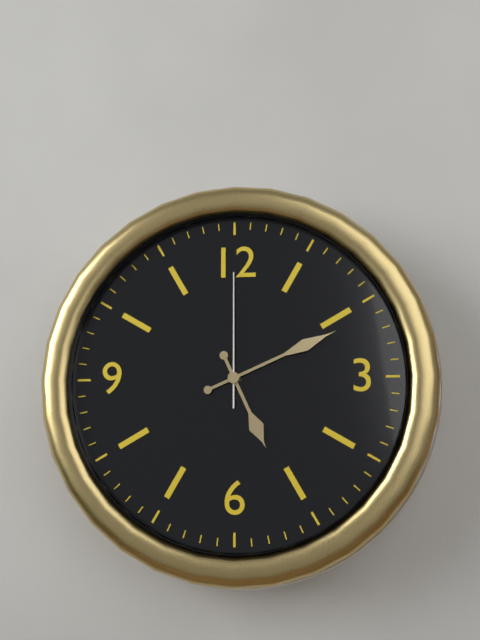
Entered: **5:11:00**
